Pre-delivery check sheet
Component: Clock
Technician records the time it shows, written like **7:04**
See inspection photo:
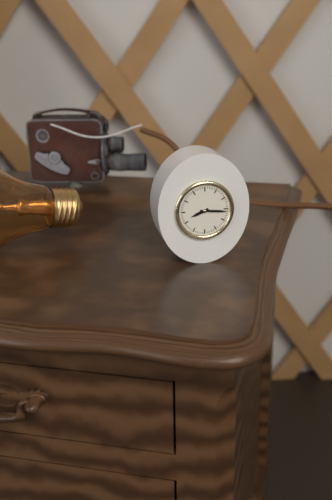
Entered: **8:16**
